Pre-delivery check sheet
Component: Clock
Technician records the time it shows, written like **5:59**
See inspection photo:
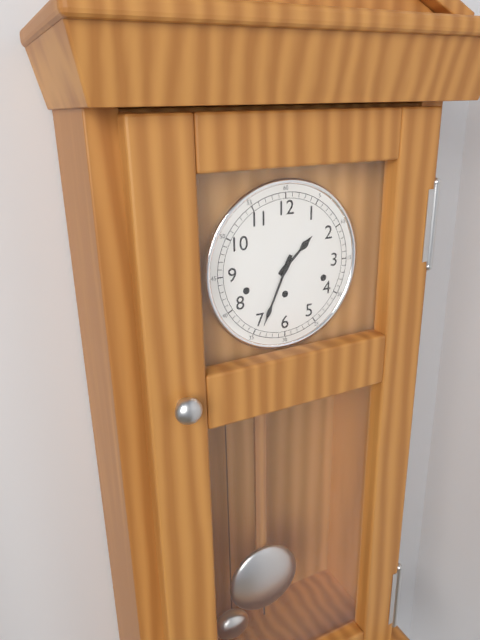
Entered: **1:34**
